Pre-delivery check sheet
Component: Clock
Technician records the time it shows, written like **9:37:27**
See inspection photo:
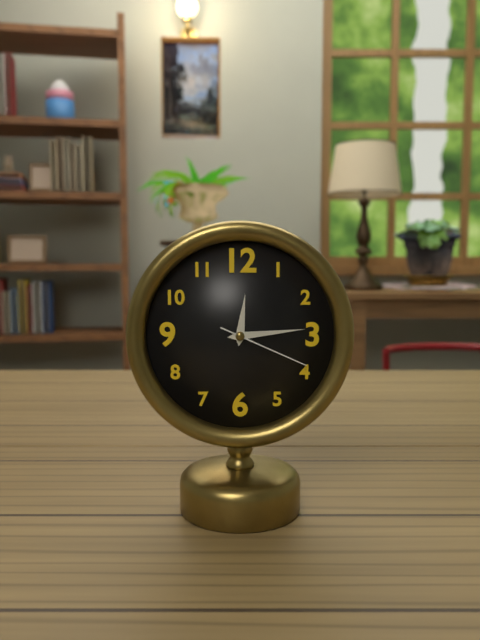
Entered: **12:14:19**
